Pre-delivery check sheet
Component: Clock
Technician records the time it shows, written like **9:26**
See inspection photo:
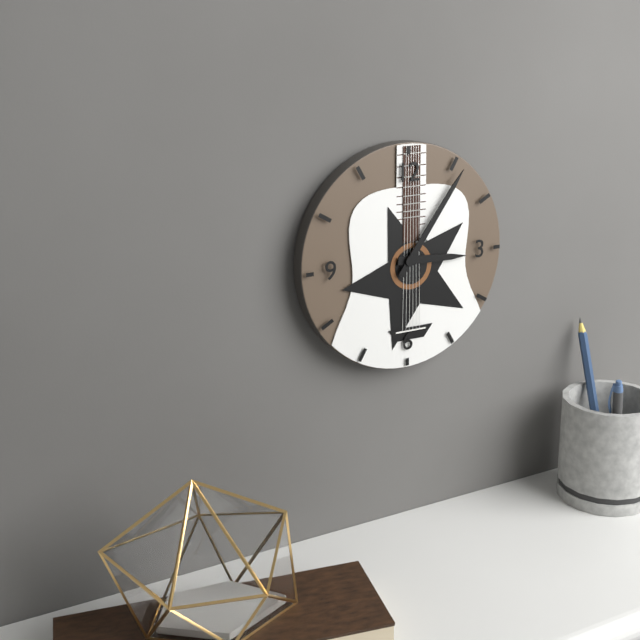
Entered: **3:06**
